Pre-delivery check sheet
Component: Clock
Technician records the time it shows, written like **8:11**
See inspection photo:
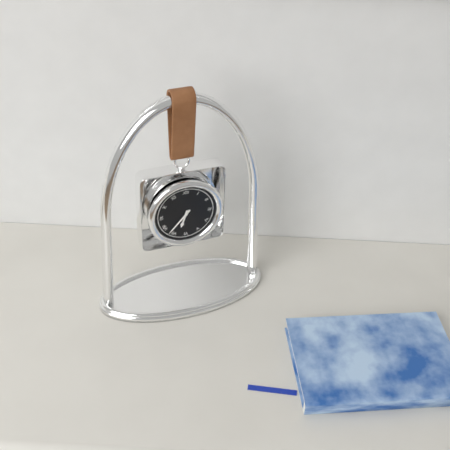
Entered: **6:37**
